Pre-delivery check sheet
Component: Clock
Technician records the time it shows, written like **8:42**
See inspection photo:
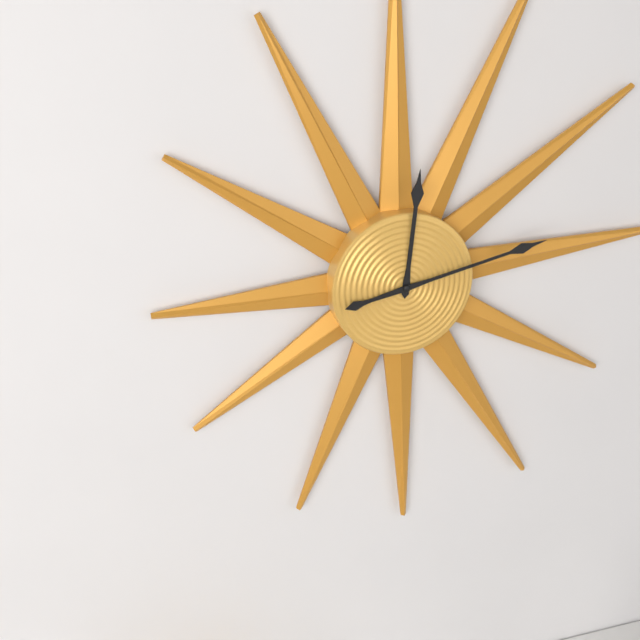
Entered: **12:13**
